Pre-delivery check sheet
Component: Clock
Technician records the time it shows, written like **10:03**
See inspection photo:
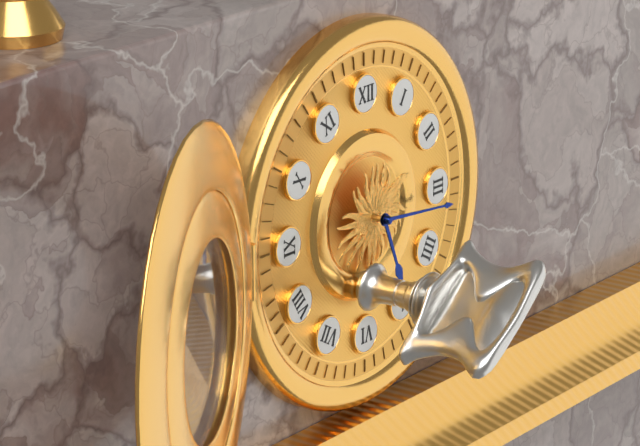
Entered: **5:16**
